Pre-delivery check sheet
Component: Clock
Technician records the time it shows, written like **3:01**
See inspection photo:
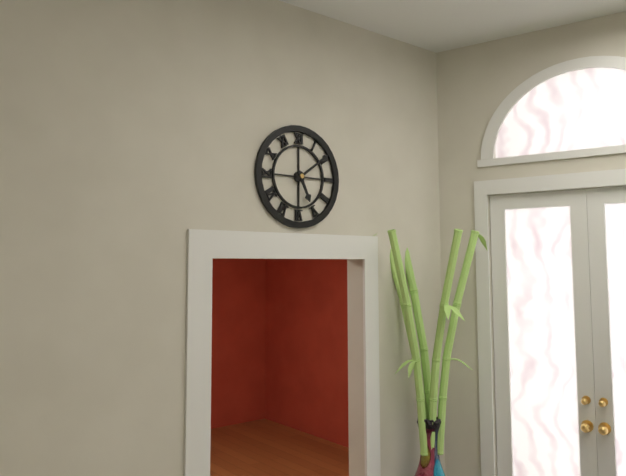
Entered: **5:09**
